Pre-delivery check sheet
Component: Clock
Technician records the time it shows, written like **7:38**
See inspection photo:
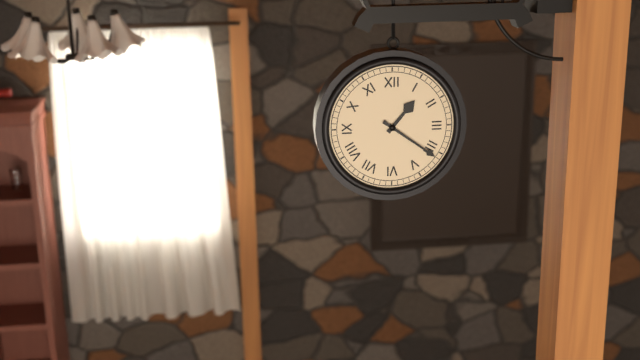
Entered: **1:21**
